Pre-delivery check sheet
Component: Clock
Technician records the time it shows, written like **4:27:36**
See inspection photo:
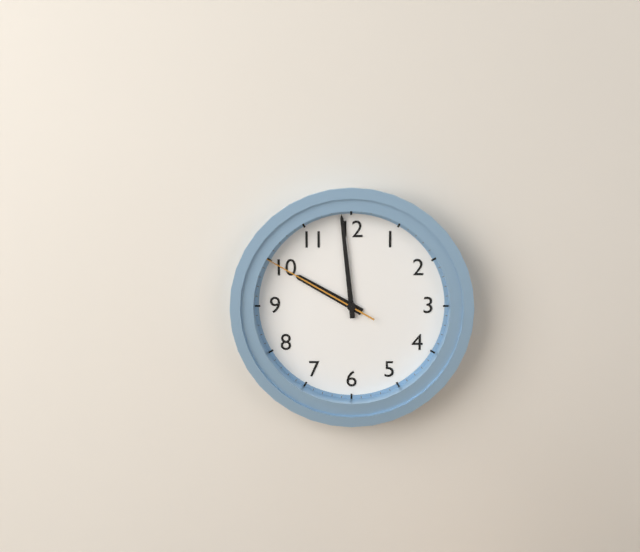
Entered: **9:59:50**
